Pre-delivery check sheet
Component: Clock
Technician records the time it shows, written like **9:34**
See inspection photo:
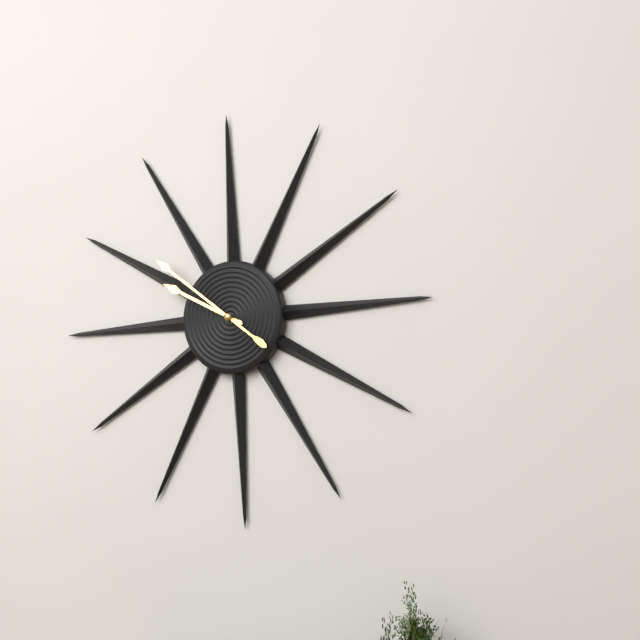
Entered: **9:51**
